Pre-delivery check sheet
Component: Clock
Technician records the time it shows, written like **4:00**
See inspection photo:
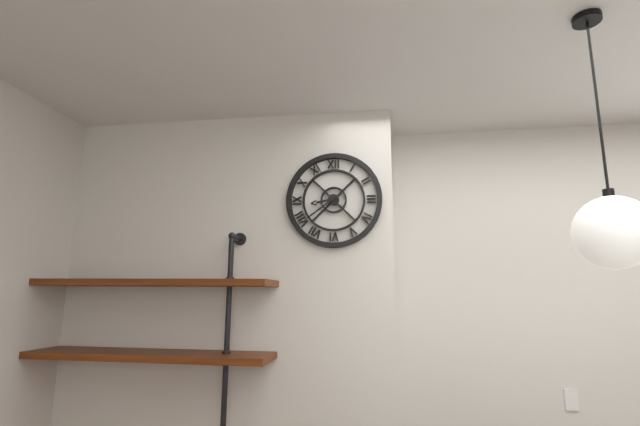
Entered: **8:39**
